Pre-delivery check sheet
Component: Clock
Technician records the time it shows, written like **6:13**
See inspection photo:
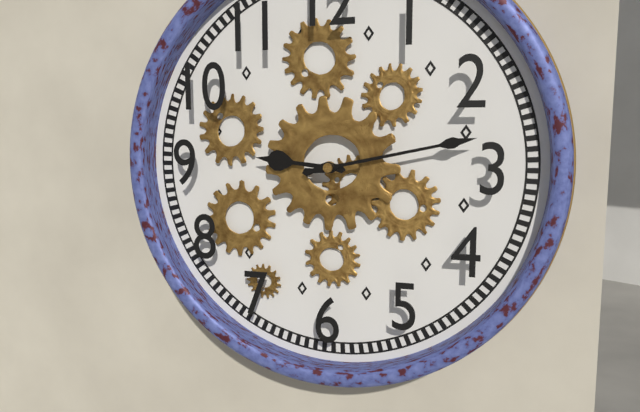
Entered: **9:13**
